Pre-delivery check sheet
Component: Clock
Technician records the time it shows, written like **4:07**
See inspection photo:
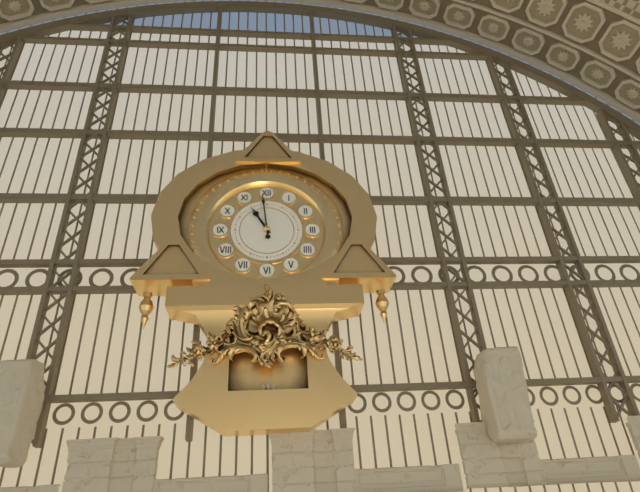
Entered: **10:59**
